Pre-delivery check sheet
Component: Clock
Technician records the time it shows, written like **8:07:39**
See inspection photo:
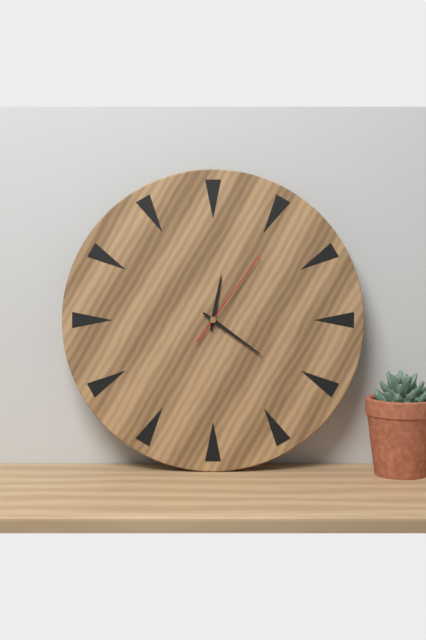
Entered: **12:21:06**
